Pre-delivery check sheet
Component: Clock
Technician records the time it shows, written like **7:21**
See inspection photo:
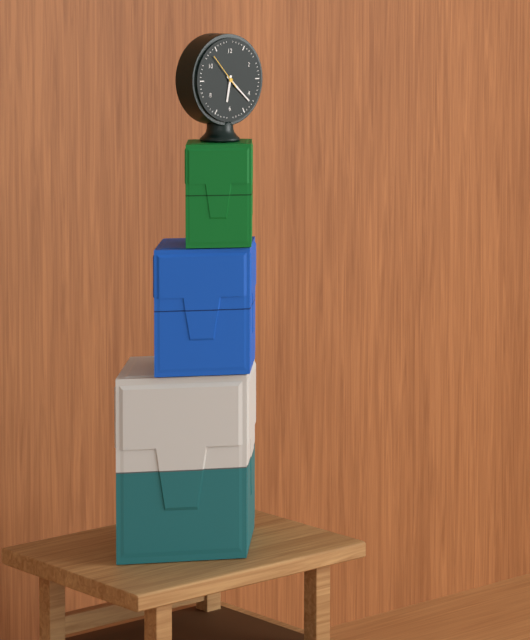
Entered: **6:22**
